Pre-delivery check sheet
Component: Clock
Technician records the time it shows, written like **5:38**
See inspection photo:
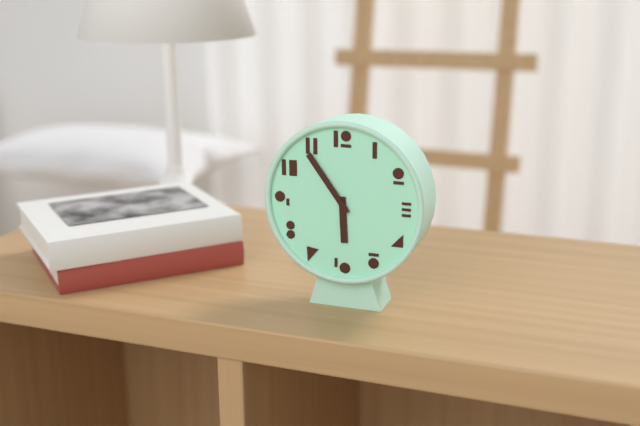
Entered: **5:54**
